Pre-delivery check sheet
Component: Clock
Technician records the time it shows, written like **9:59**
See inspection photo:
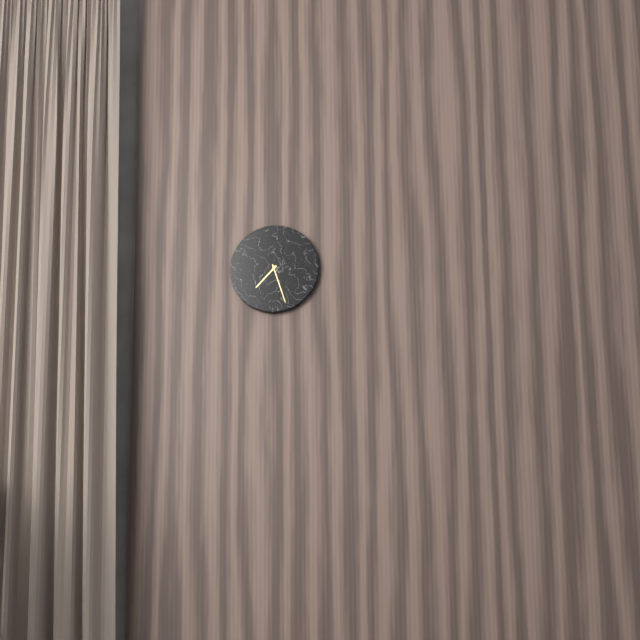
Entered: **7:27**
